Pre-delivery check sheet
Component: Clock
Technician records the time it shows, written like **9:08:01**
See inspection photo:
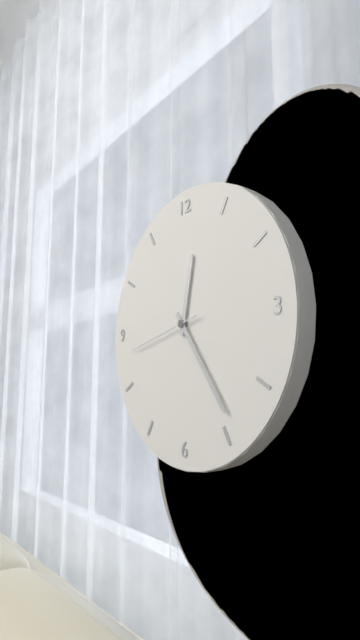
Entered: **12:24:43**
